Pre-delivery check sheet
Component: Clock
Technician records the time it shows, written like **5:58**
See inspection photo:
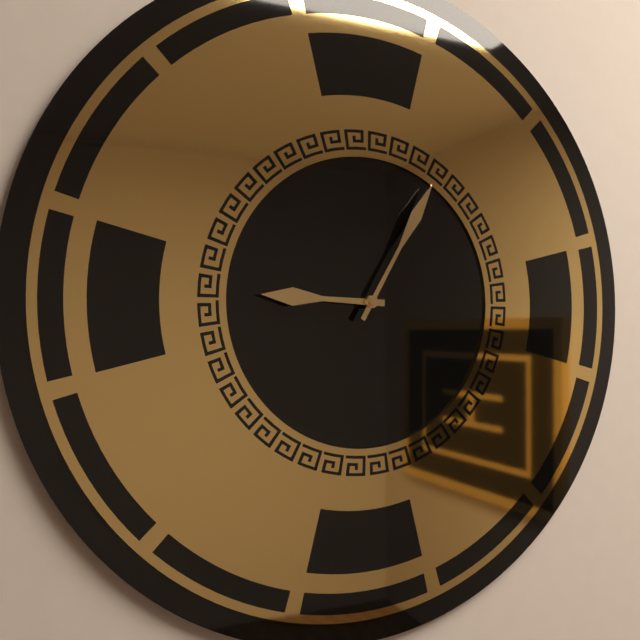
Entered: **9:05**
